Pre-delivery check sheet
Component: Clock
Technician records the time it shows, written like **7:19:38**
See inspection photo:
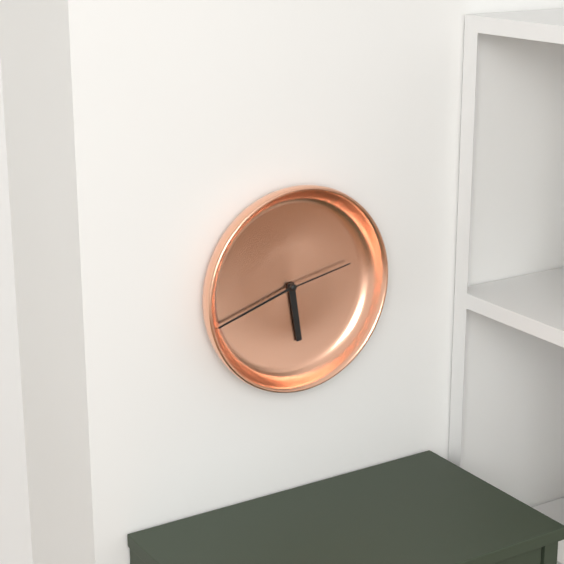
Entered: **5:42:13**
